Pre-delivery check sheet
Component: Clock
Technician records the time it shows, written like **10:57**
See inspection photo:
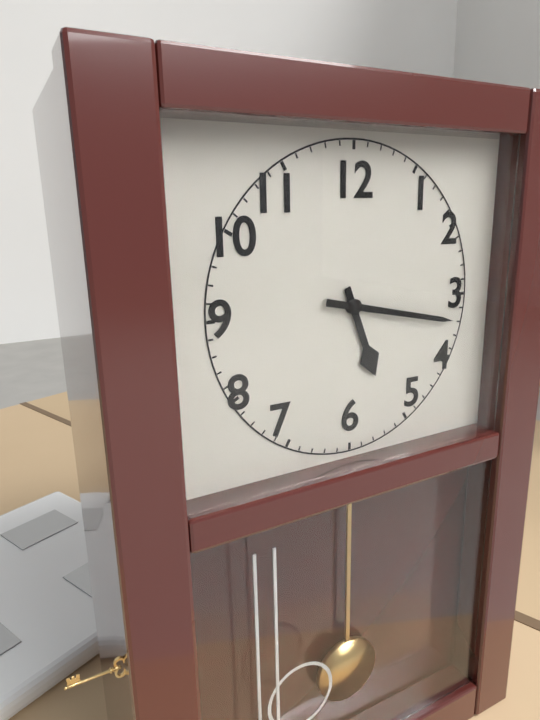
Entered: **5:17**
